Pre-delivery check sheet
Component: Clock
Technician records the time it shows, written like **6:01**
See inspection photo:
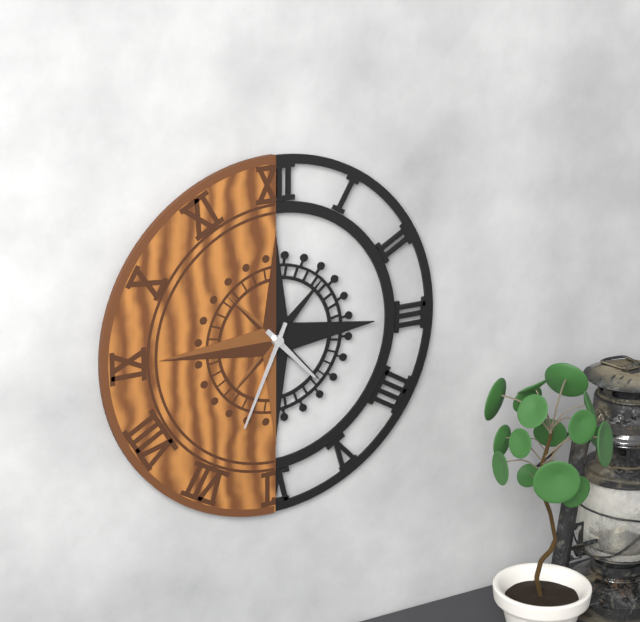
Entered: **4:34**
